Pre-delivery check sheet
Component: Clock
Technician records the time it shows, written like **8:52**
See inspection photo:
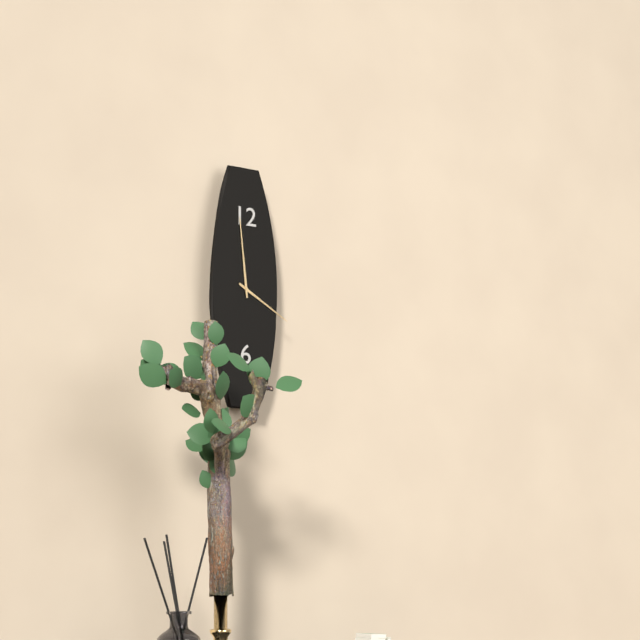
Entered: **3:59**
